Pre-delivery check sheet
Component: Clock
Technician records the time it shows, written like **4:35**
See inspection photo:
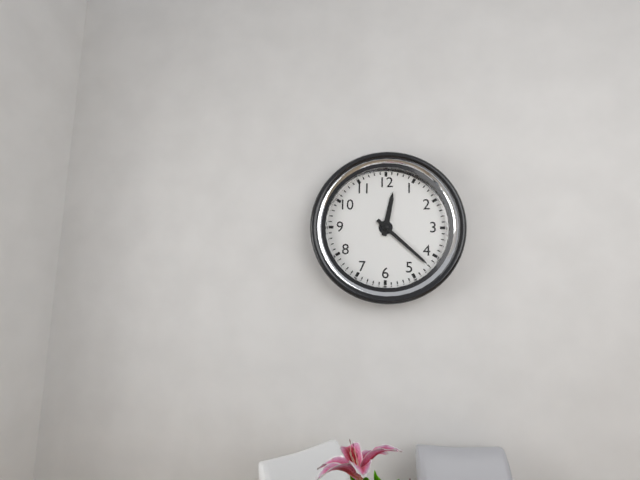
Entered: **12:22**
